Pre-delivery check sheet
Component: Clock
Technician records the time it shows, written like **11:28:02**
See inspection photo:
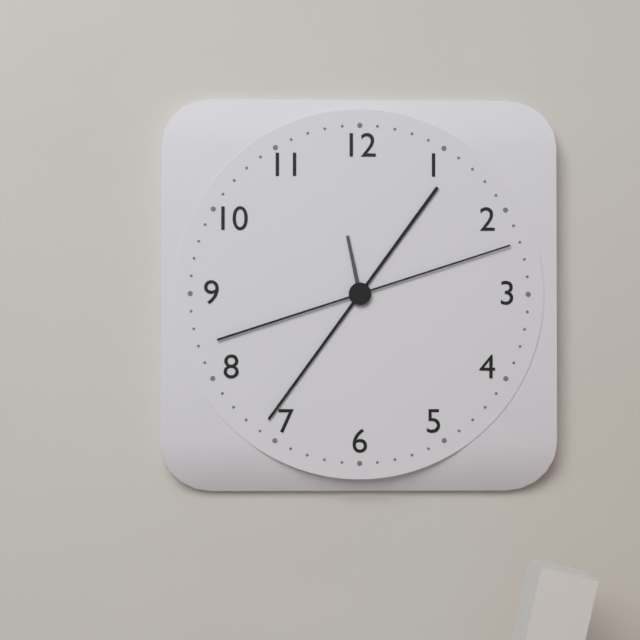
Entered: **11:36:12**
